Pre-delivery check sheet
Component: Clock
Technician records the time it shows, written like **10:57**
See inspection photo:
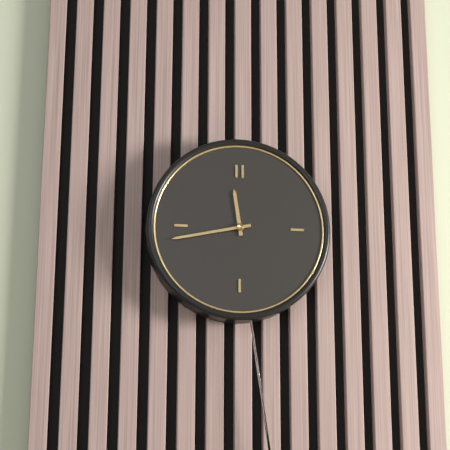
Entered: **11:43**
